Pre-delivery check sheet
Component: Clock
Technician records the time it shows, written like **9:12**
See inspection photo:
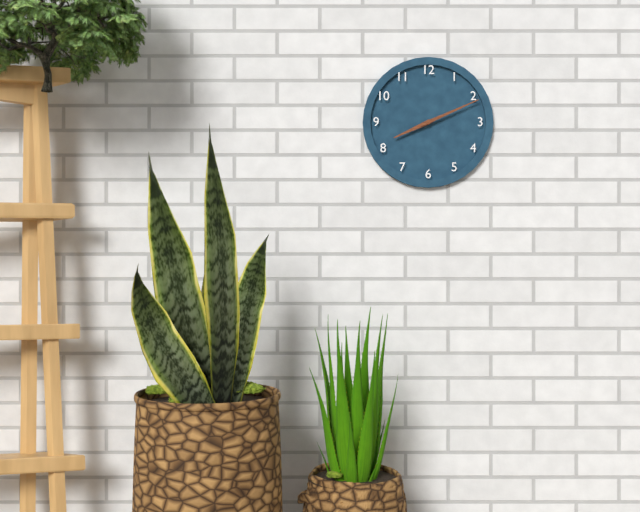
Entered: **8:11**
